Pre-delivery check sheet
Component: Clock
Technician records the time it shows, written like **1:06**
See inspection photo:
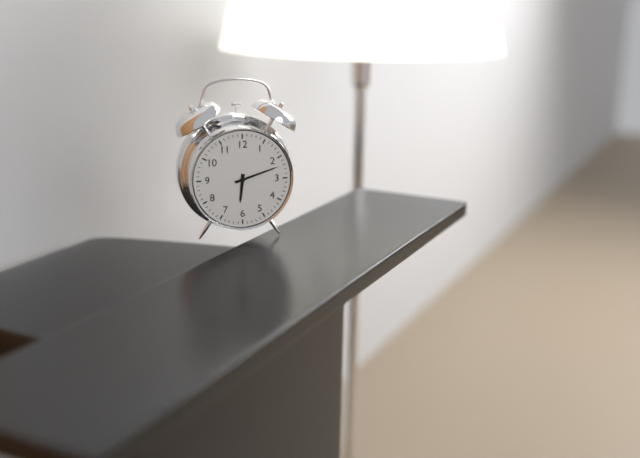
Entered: **6:12**
